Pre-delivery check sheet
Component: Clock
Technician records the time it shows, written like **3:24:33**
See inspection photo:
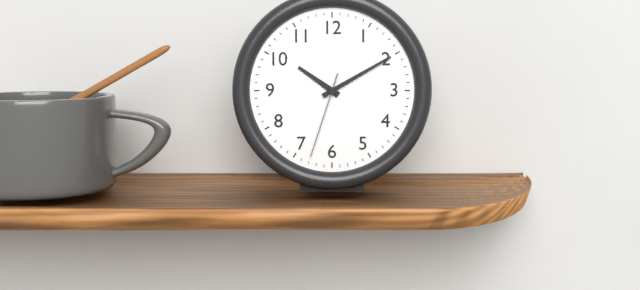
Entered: **10:10:33**
